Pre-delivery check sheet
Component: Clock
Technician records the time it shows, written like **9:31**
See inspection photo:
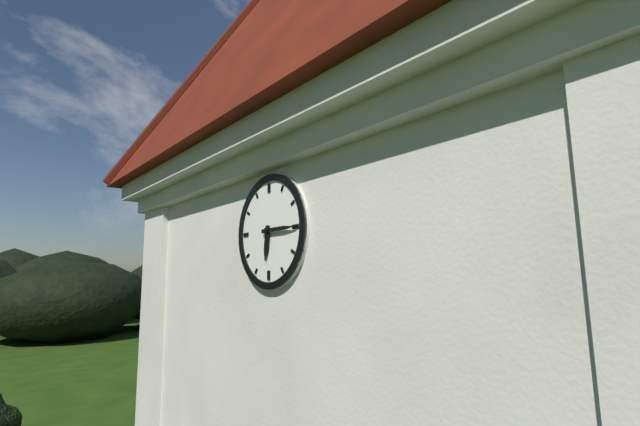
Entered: **6:15**
